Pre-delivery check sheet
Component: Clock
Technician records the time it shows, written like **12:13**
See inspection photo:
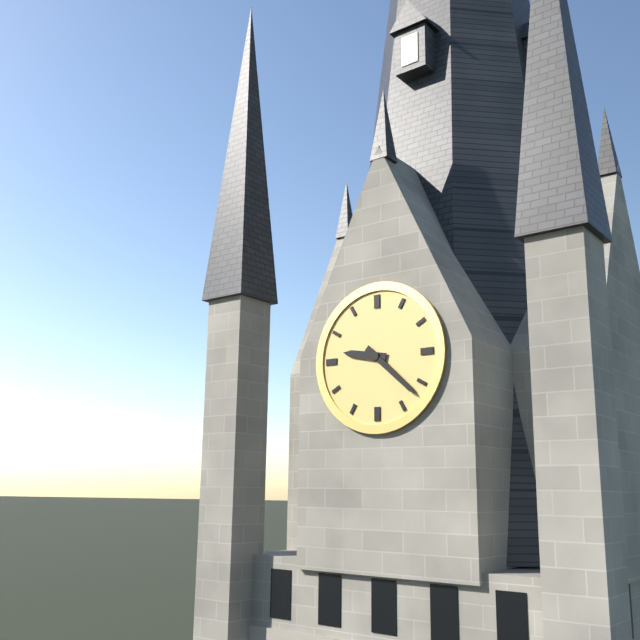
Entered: **9:22**
